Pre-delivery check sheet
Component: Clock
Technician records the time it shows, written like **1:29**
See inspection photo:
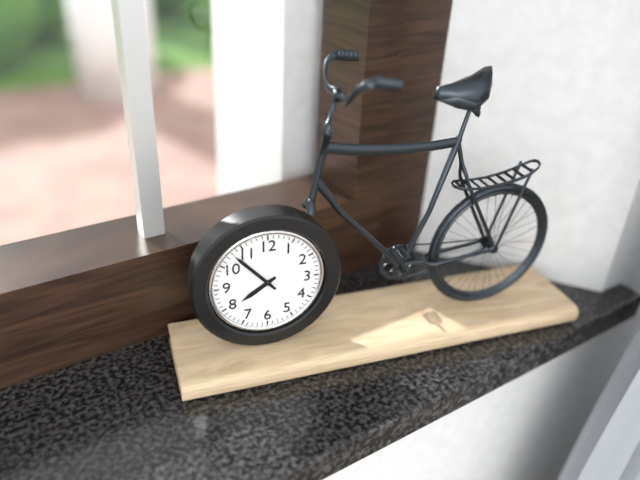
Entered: **7:53**
